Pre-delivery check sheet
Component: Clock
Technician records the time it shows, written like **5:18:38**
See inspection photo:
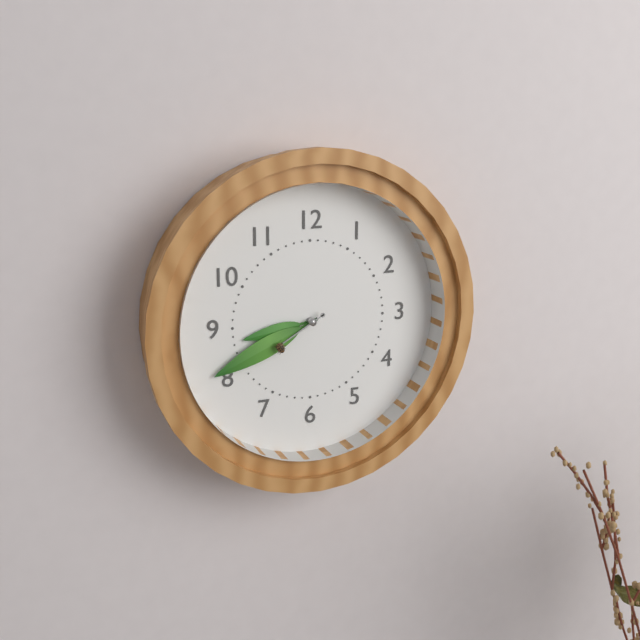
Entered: **8:41:40**
